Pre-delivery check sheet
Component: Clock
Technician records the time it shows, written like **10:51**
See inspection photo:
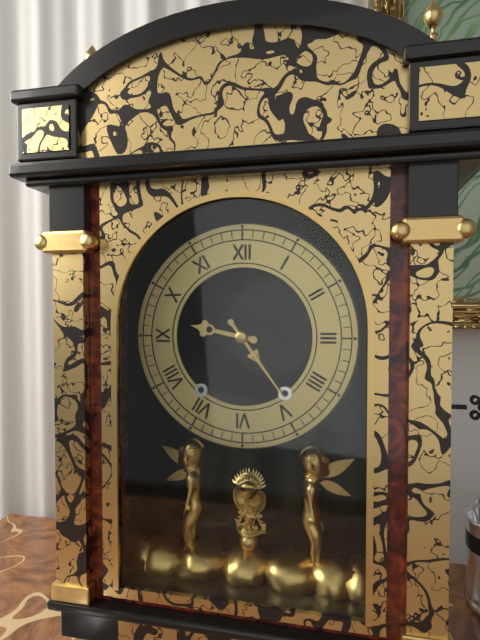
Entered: **9:24**
